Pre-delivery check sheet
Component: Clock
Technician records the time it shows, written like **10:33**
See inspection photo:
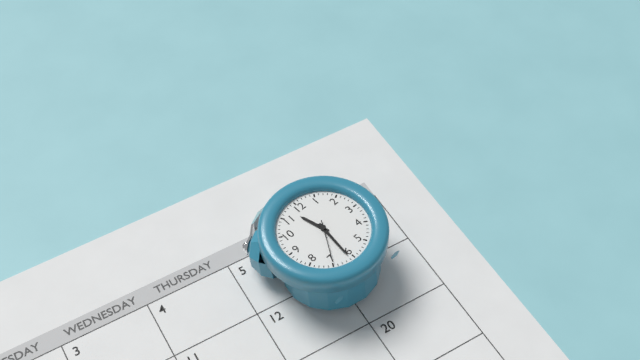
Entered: **11:31**
